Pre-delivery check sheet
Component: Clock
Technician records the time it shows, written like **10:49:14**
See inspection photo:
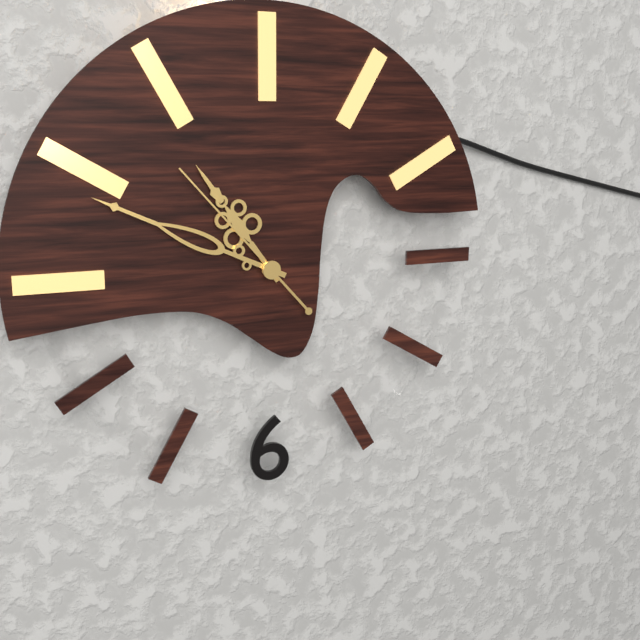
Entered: **10:49:53**
